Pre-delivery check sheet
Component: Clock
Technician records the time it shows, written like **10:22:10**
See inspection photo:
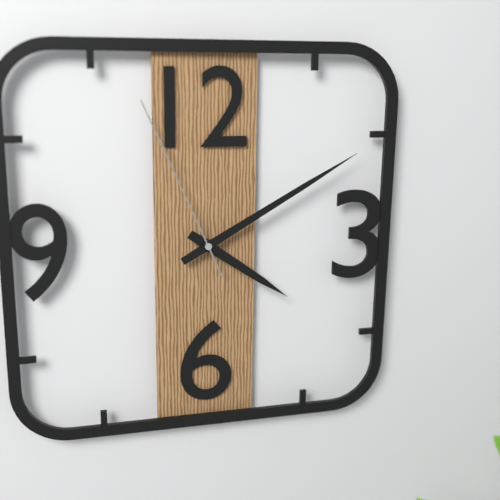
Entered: **4:10:56**
